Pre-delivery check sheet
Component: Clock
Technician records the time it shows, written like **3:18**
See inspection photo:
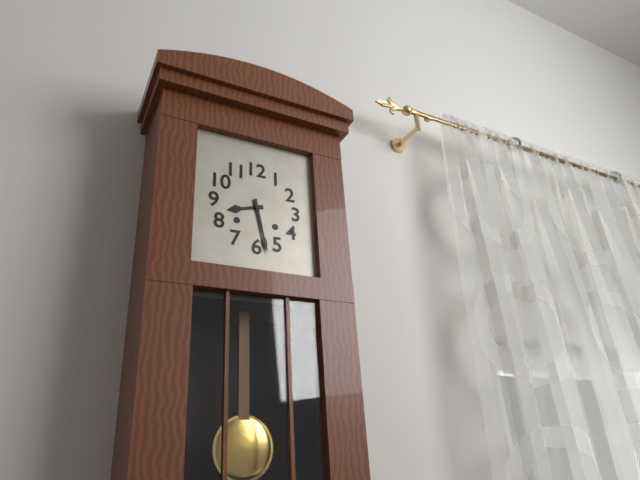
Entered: **8:28**
